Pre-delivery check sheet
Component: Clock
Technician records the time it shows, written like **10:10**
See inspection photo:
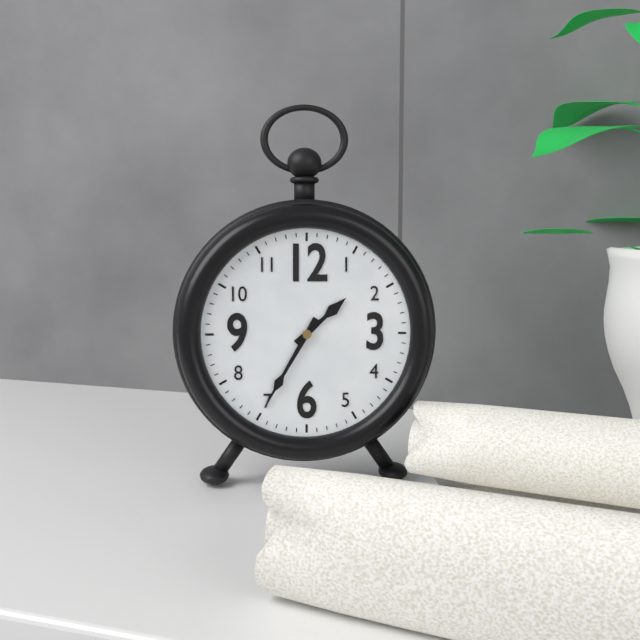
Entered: **1:35**
